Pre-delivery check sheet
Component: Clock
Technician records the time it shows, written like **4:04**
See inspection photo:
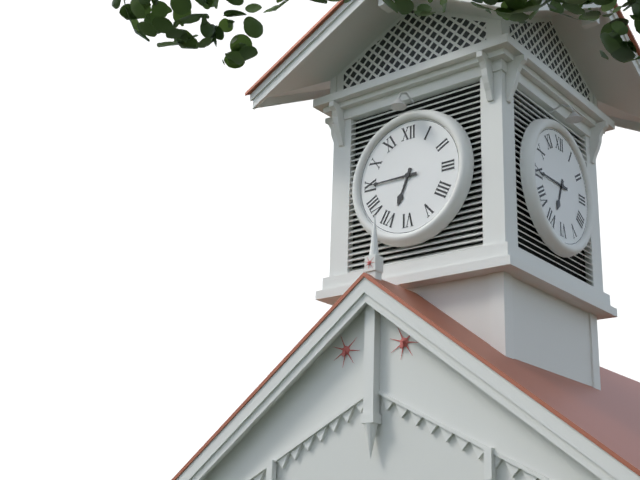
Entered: **6:45**
